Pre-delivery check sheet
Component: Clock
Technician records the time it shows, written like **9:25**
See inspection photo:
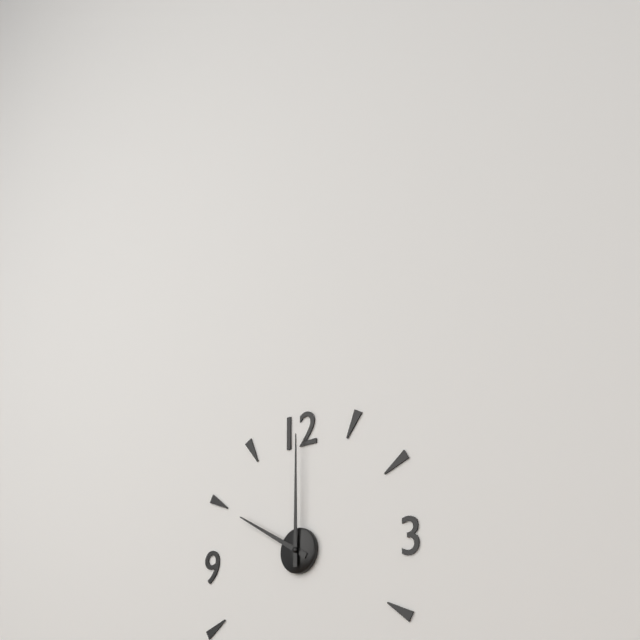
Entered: **10:00**
